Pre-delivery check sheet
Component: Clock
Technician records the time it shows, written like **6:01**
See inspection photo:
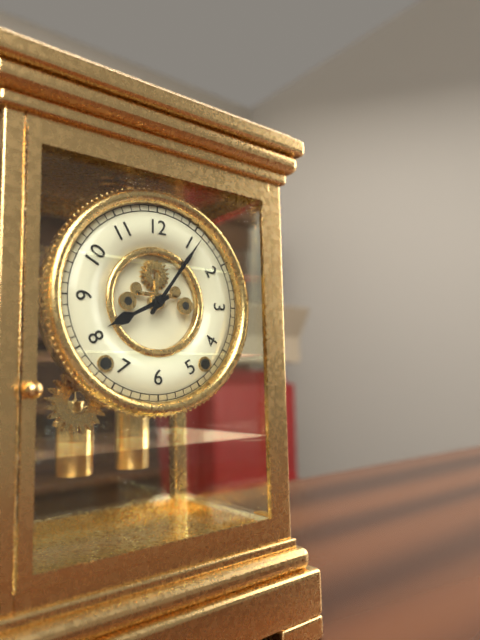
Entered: **8:06**
